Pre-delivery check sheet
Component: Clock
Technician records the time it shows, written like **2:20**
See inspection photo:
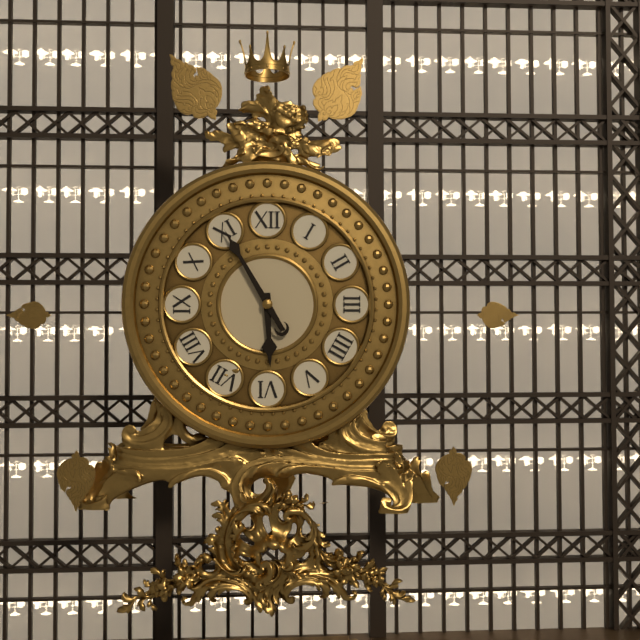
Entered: **5:55**
